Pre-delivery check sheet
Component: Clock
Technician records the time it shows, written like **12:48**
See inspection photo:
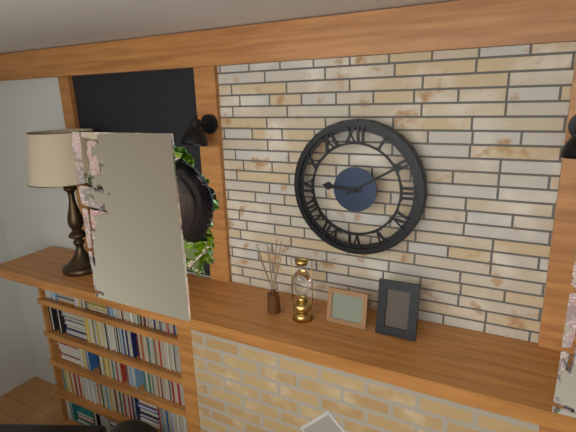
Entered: **9:10**
